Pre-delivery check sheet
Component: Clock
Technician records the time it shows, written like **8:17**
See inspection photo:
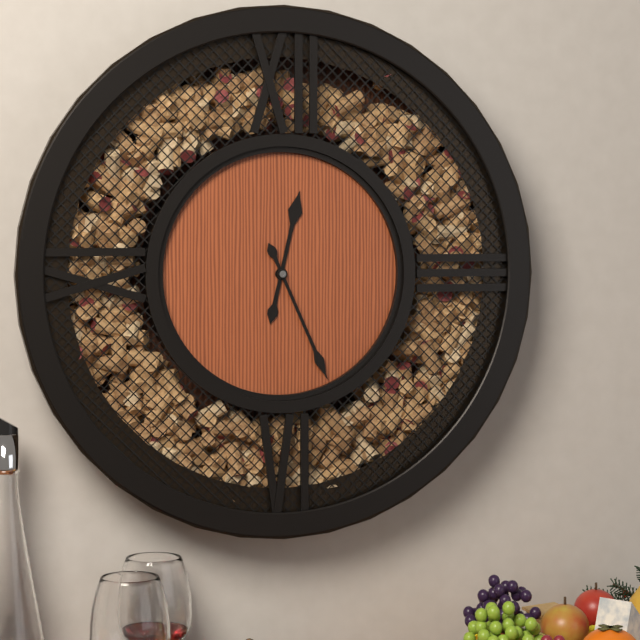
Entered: **12:26**
